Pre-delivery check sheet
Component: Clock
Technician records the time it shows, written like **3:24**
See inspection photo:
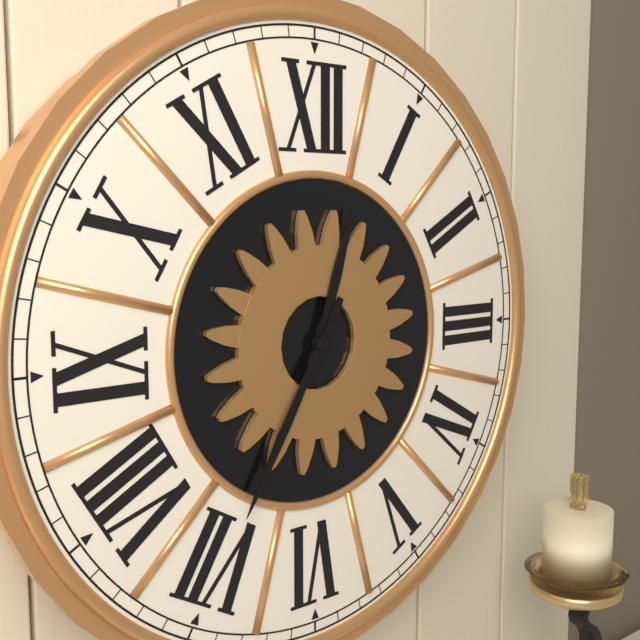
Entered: **12:35**
